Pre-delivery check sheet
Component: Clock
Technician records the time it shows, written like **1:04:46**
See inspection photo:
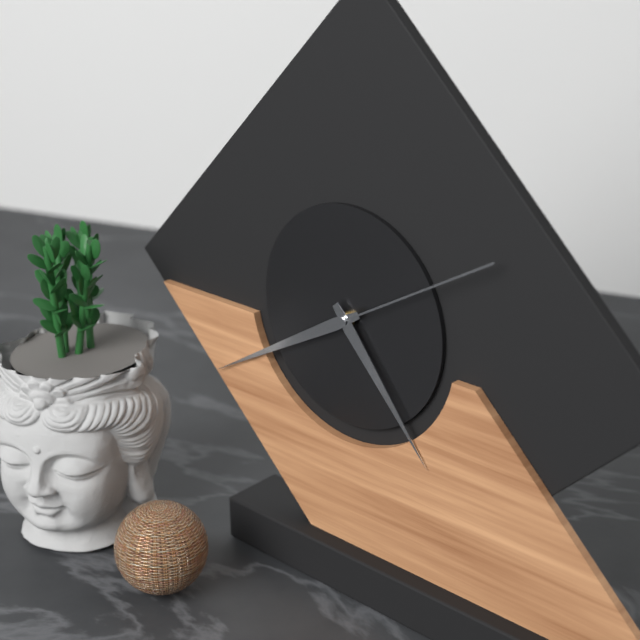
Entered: **4:40:10**
